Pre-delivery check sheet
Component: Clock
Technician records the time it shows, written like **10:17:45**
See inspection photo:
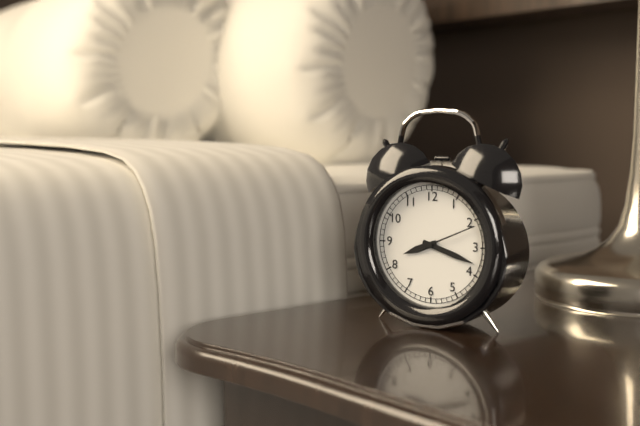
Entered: **8:18:11**
